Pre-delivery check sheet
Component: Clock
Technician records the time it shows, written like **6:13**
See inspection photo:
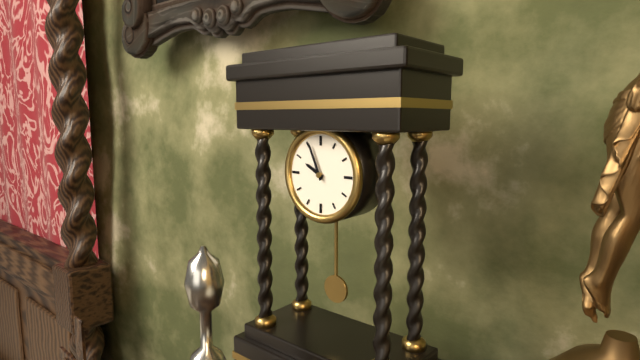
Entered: **9:56**
